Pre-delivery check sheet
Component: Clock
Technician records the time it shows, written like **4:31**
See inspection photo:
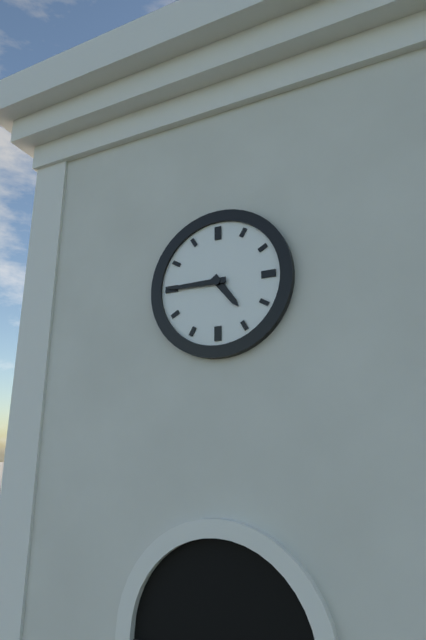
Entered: **4:45**
